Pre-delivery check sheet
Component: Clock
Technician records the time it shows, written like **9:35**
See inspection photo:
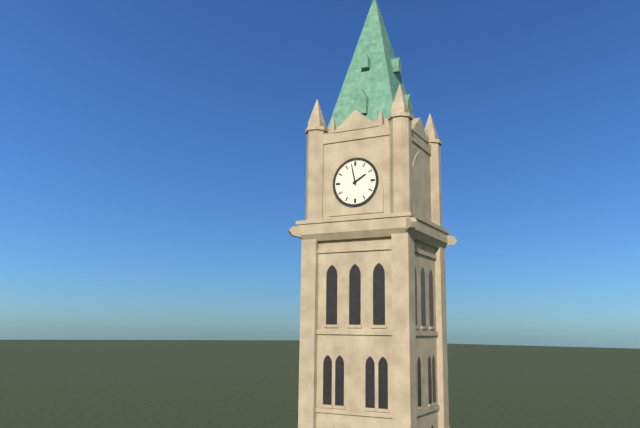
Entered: **1:58**
